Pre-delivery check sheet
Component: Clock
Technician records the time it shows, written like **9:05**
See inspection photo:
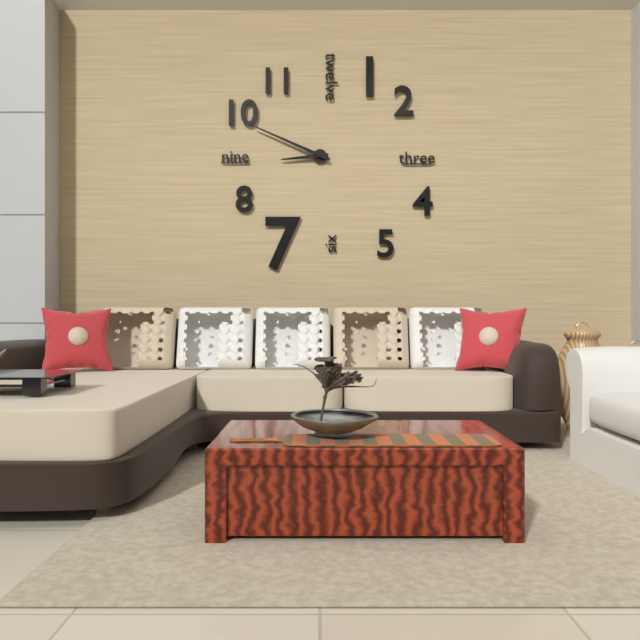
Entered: **8:49**
